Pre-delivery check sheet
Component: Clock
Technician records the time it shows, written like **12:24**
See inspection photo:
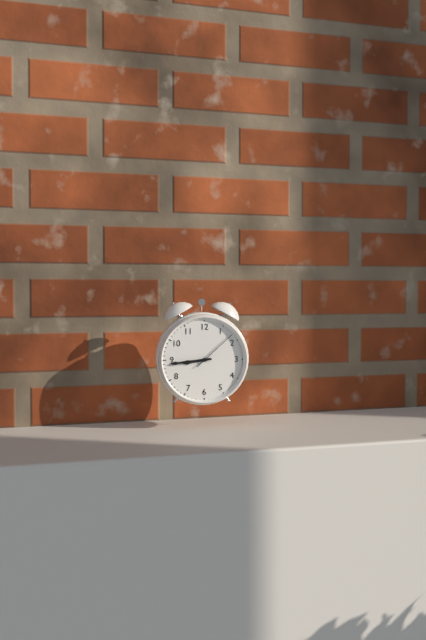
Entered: **8:44**
